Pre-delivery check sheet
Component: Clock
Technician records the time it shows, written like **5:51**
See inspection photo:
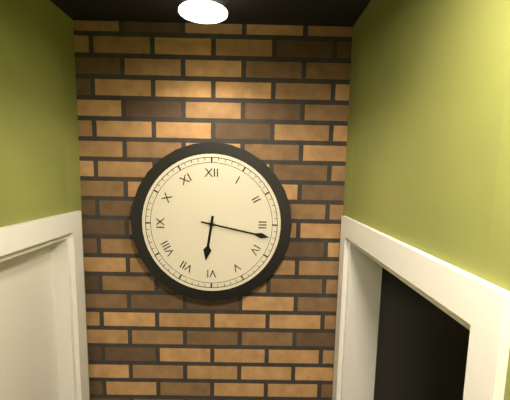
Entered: **6:17**
